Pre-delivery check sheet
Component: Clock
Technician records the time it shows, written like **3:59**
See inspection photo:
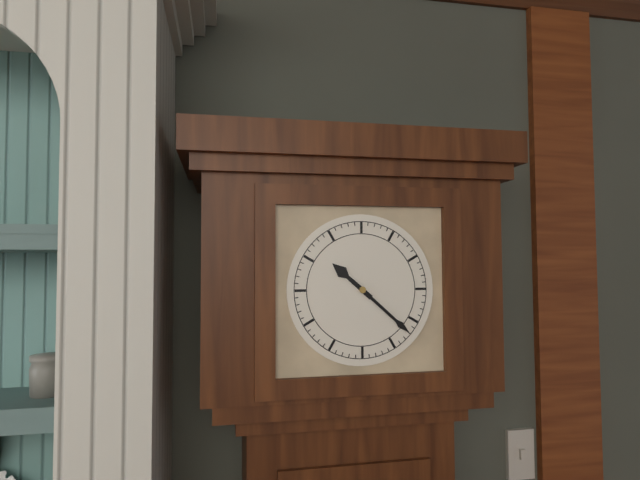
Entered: **10:22**
